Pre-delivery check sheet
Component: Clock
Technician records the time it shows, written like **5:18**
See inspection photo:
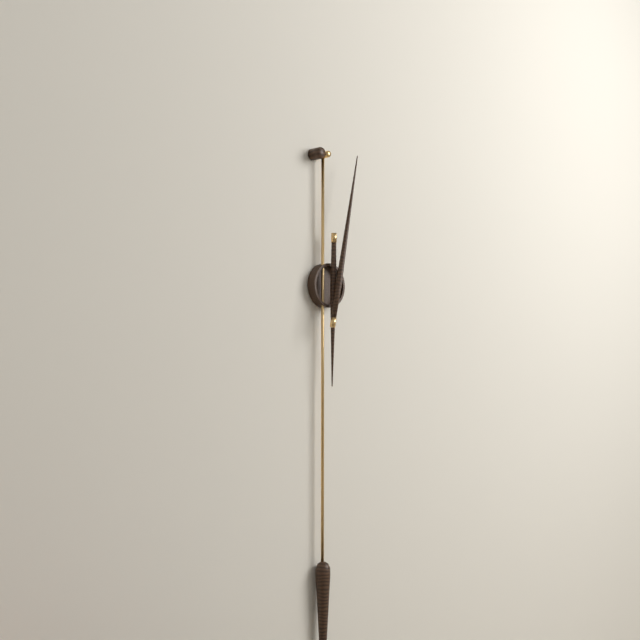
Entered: **6:02**
